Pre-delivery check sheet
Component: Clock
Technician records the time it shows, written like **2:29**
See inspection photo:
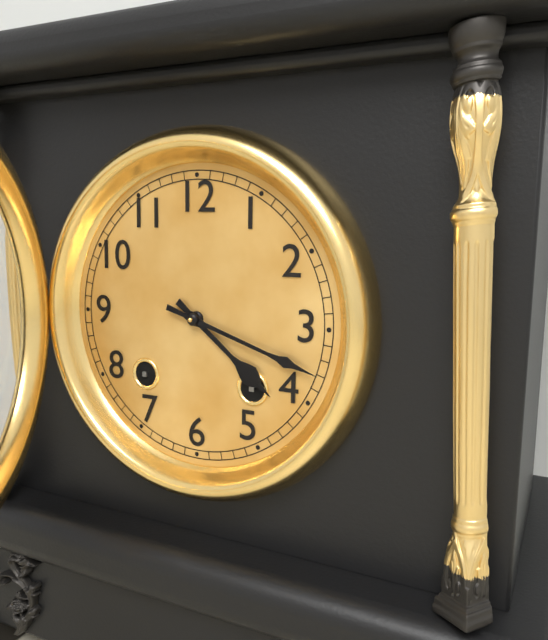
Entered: **4:18**
